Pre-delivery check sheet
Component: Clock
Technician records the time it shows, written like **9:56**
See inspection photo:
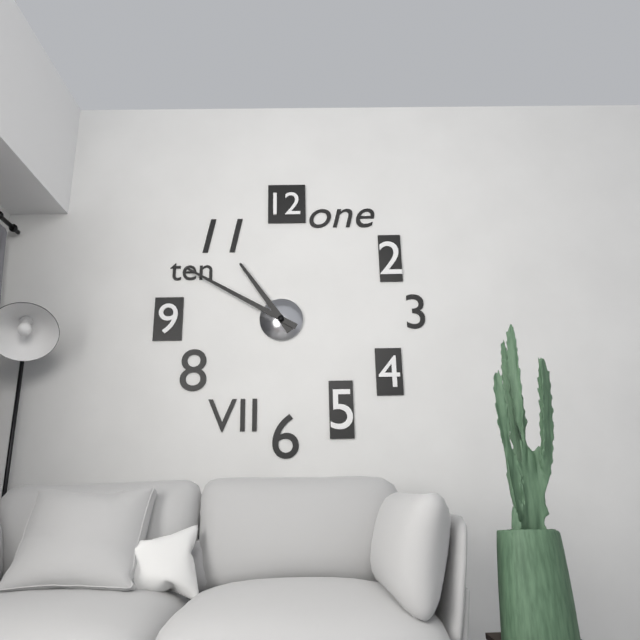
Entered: **10:50**
